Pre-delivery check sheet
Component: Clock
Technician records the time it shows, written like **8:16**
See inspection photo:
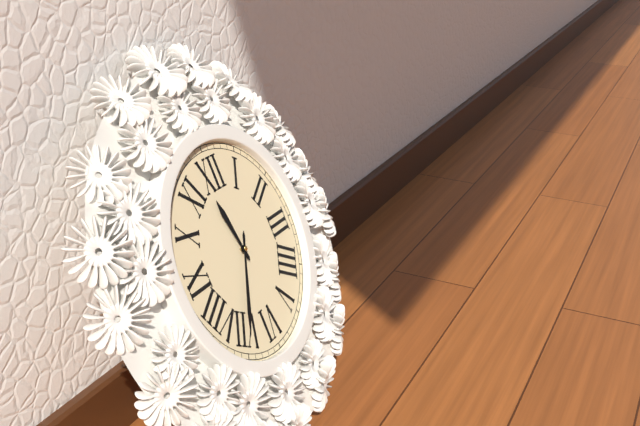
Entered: **11:35**
